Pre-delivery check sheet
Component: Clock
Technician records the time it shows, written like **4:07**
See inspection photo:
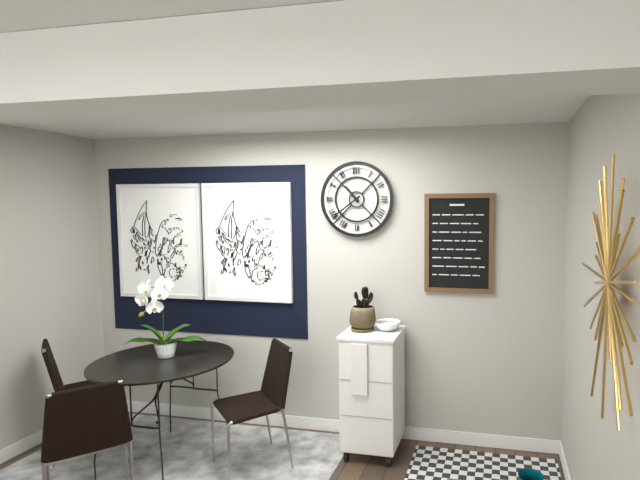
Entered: **10:39**
